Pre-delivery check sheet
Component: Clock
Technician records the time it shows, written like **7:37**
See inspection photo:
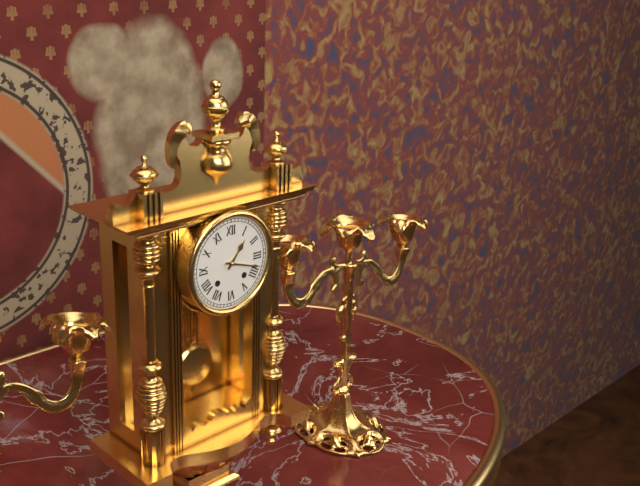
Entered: **1:18**
